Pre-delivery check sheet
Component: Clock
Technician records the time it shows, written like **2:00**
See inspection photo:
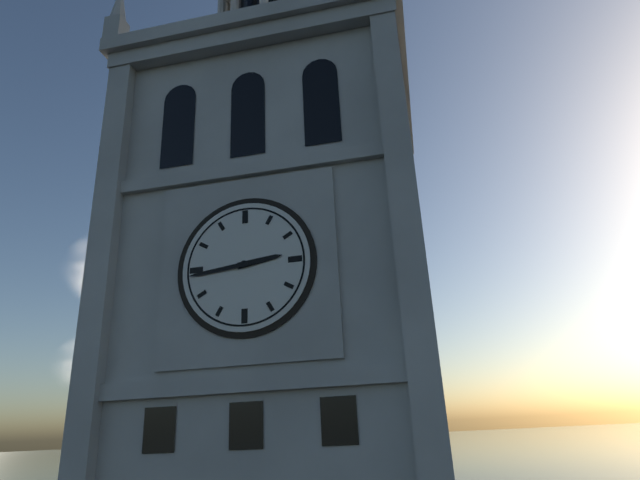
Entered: **2:44**
